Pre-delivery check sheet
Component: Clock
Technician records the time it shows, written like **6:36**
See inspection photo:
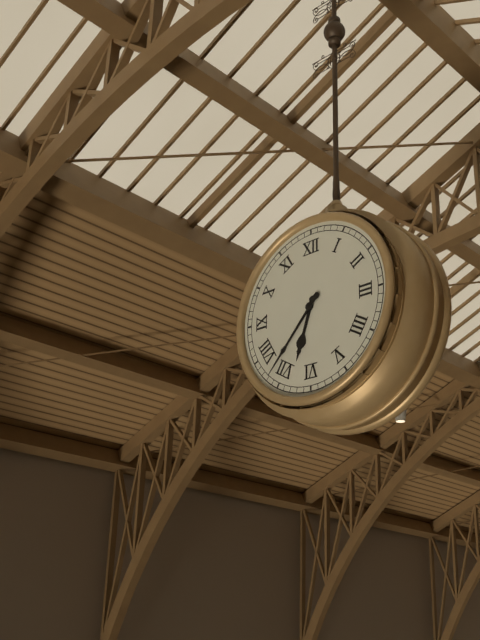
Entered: **6:37**
